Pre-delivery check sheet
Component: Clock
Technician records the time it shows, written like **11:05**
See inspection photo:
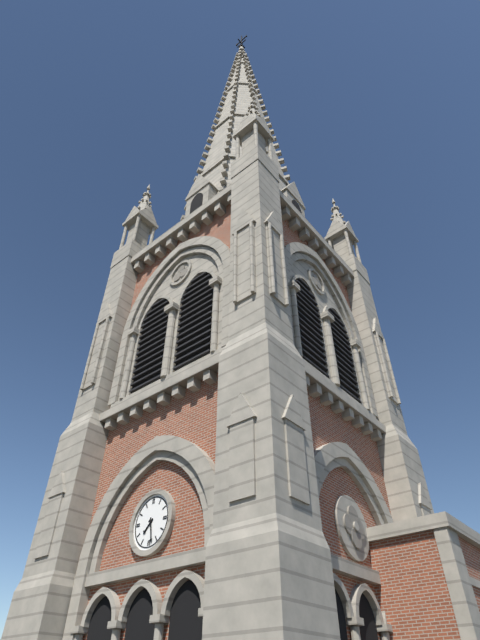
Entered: **7:28**
